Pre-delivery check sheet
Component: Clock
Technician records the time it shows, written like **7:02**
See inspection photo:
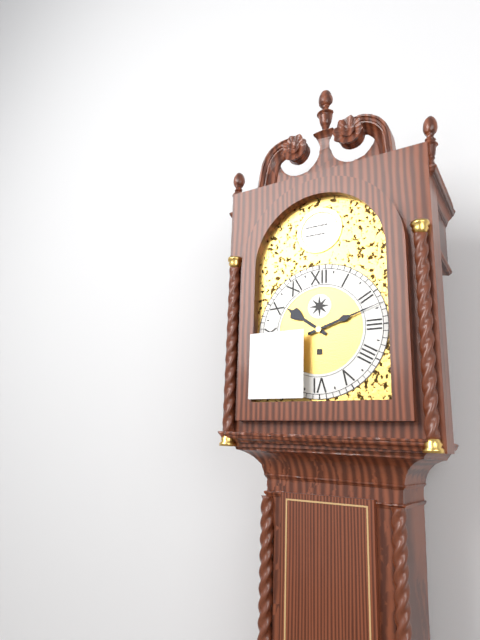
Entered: **10:12**
